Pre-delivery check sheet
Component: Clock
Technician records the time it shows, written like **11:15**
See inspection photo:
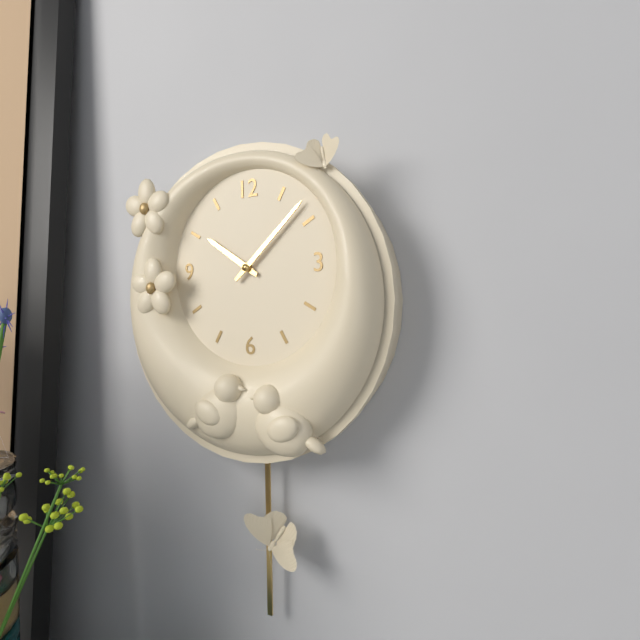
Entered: **10:08**
